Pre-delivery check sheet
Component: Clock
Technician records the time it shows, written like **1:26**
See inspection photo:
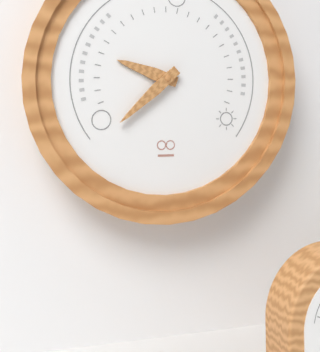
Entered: **9:38**
